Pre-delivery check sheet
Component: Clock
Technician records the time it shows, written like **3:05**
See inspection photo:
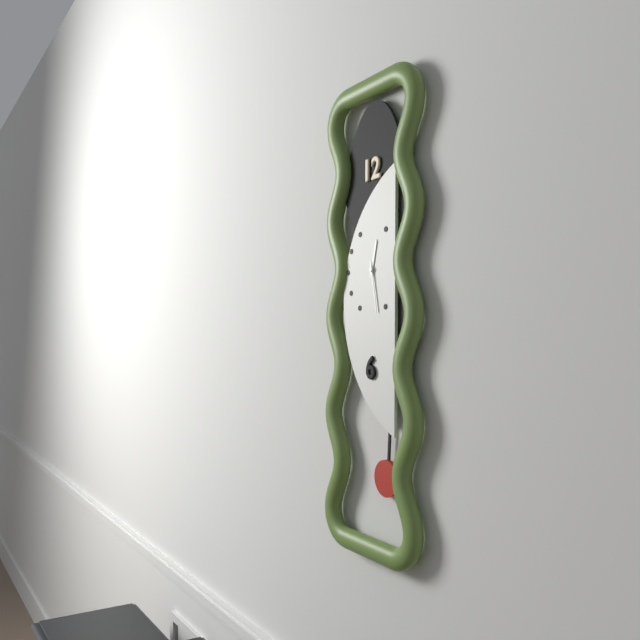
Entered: **12:28**
